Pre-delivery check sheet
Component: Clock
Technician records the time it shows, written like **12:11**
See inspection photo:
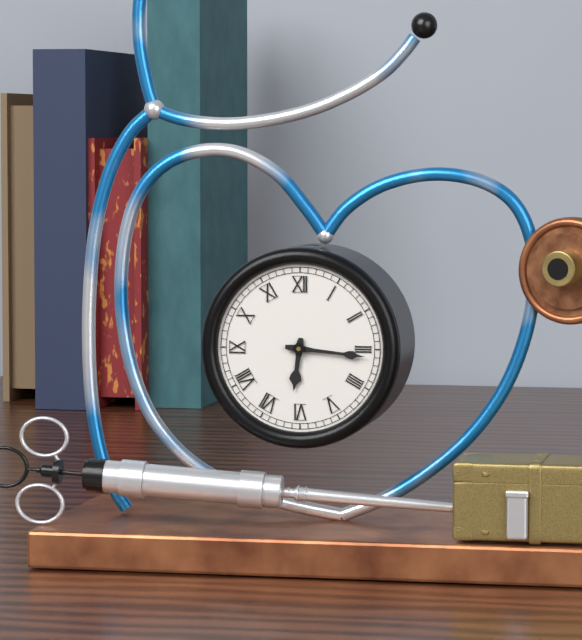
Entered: **6:16**
